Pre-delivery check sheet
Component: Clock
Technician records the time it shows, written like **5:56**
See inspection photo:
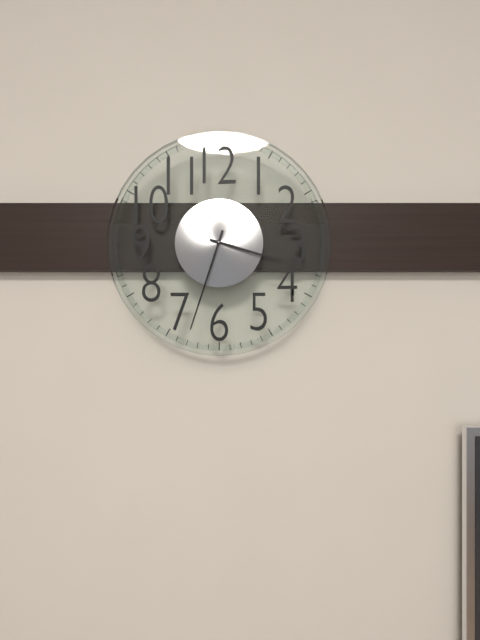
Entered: **3:33**
